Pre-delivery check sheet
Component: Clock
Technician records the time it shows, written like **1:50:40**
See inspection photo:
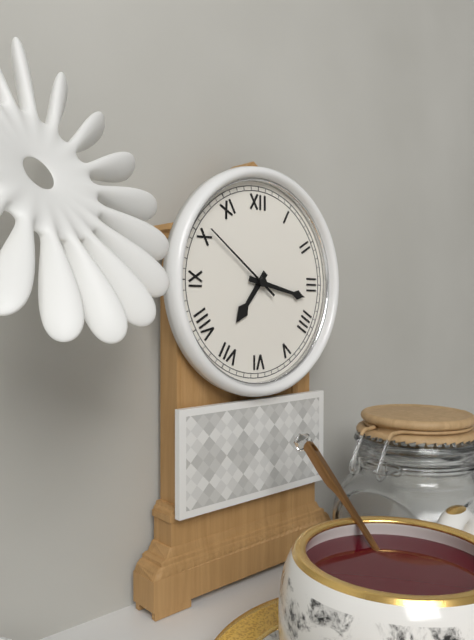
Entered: **7:17:51**
